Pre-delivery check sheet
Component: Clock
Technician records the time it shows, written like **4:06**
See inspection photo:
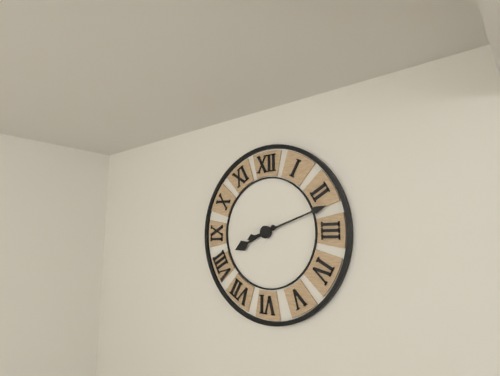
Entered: **8:12**
